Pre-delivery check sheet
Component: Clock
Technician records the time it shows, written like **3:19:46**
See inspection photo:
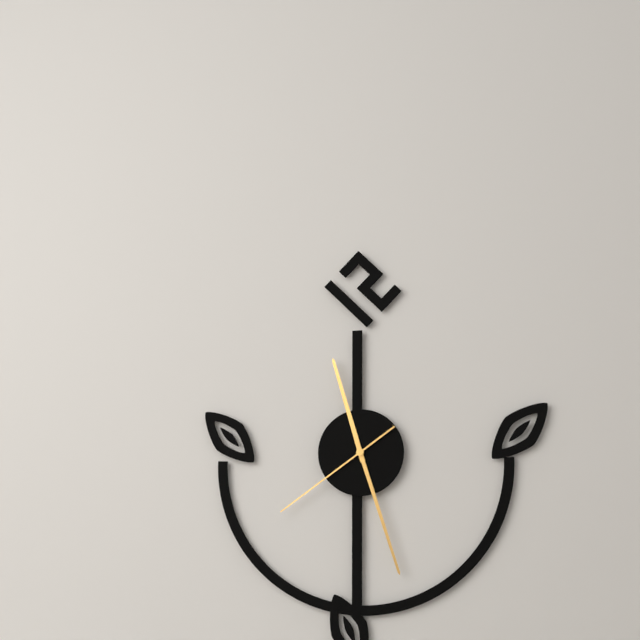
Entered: **11:27:39**
